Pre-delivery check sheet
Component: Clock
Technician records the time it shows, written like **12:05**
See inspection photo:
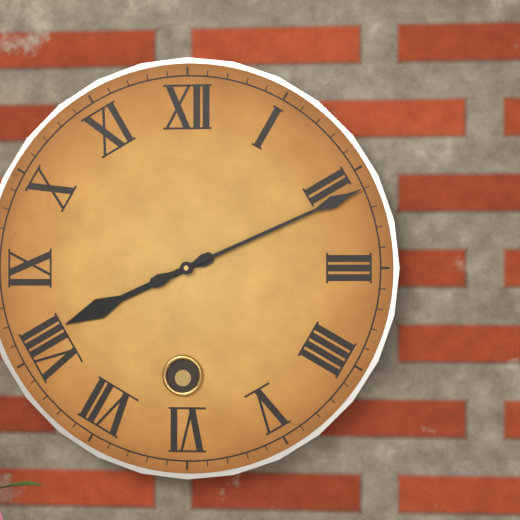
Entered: **8:11**
